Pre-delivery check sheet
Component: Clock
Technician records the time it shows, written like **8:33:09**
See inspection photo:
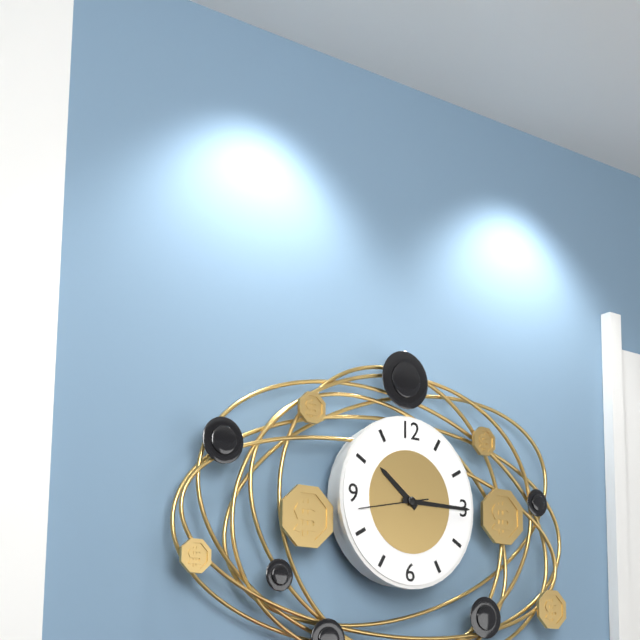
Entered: **10:15:43**
